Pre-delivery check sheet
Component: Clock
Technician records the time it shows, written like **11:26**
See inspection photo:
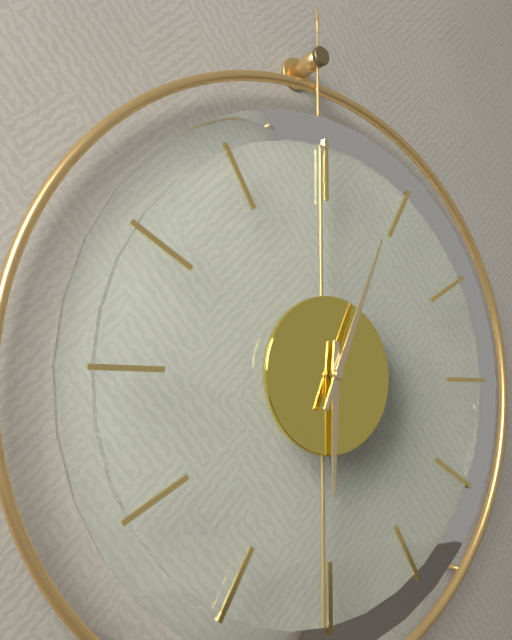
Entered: **6:04**
